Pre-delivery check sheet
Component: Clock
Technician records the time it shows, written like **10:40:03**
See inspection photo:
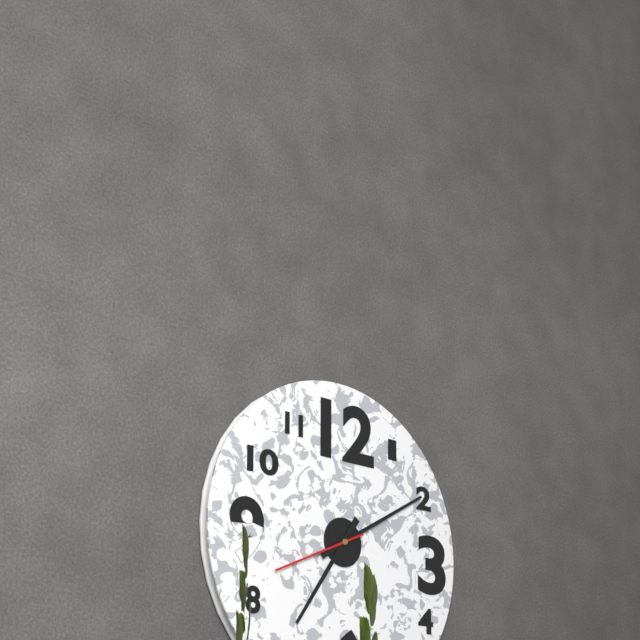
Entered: **7:10:41**
